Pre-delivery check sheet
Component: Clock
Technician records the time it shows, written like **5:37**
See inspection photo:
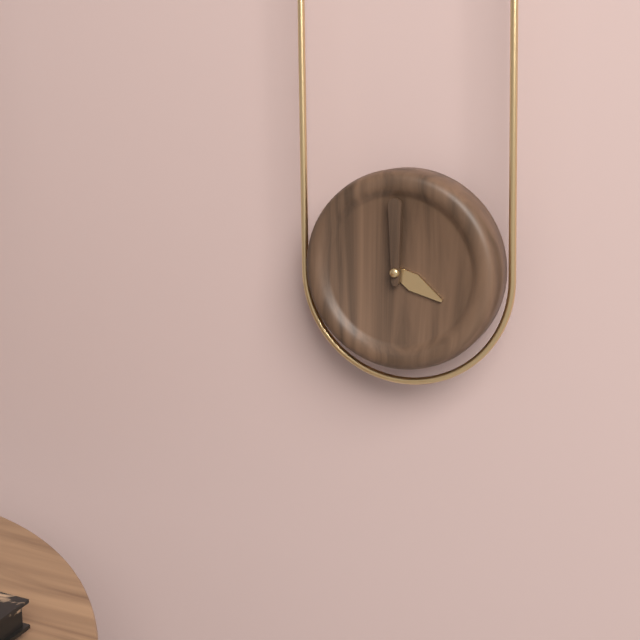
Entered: **4:00**
